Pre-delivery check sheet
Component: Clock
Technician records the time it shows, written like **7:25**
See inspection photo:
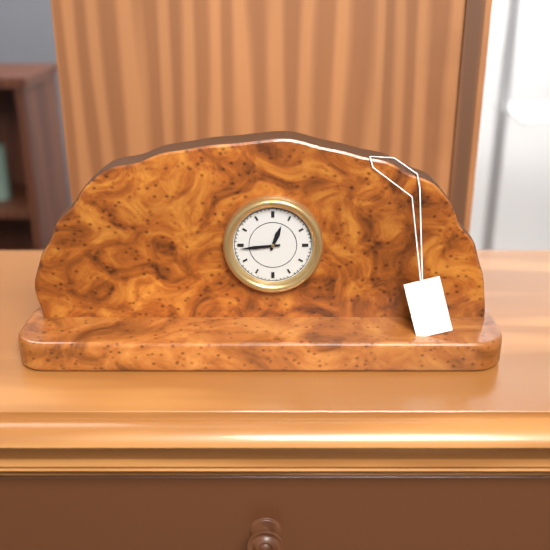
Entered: **12:44**
